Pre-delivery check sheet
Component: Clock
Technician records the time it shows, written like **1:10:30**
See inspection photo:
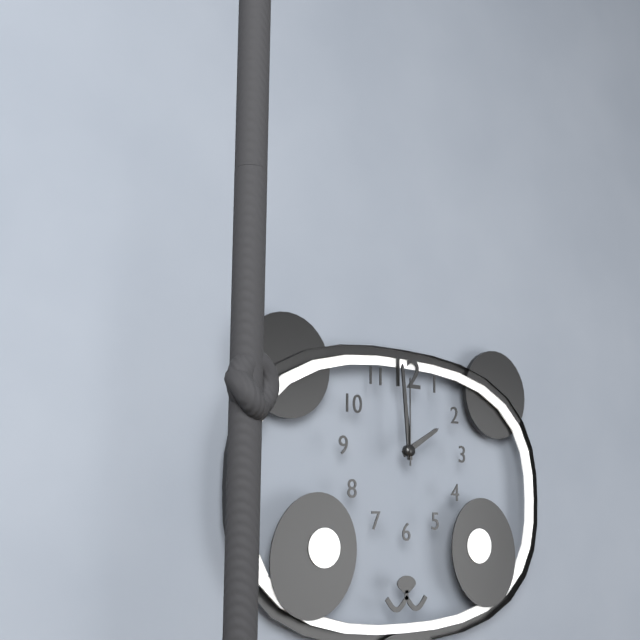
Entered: **1:59:00**
